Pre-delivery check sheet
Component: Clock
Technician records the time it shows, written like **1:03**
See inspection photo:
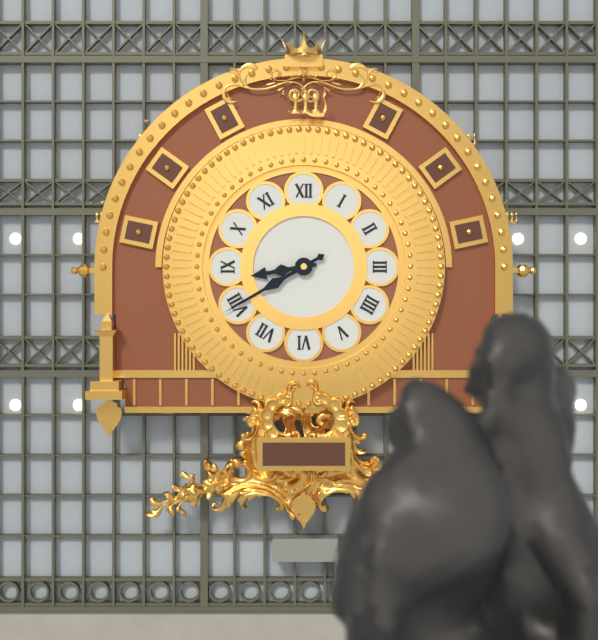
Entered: **8:40**
